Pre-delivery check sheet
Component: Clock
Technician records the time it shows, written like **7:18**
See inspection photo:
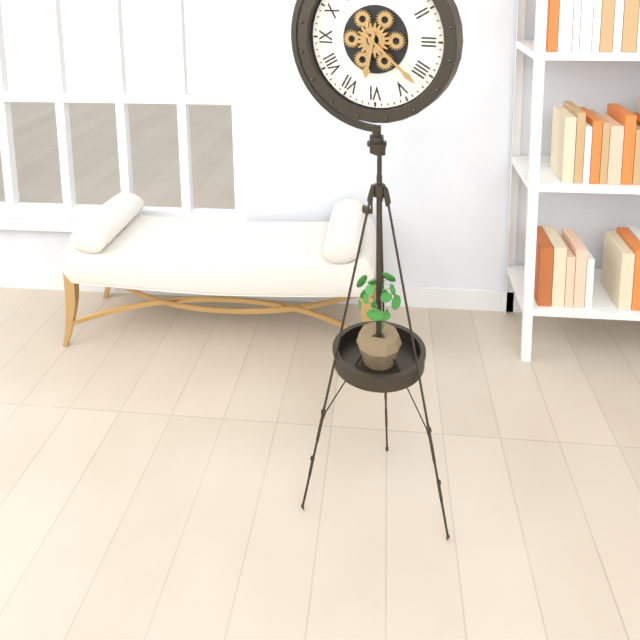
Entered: **6:22**
